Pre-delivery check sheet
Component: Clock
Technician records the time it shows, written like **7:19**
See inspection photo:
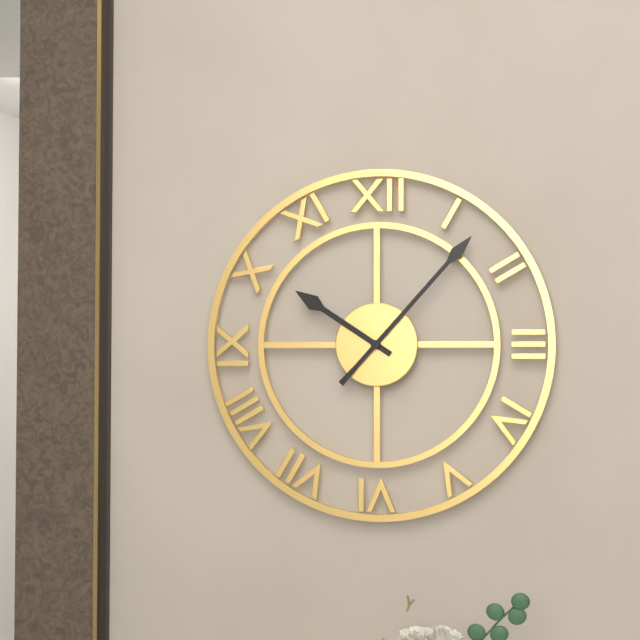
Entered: **10:07**
